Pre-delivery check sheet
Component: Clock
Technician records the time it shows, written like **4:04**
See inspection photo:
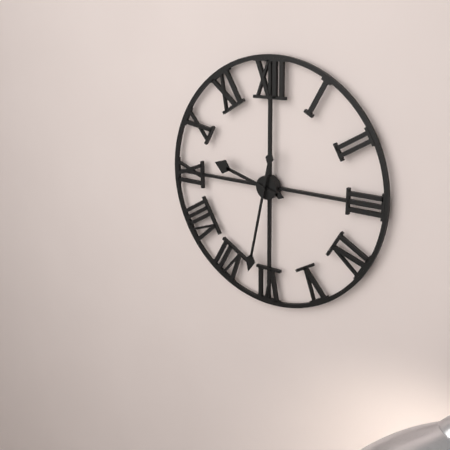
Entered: **9:32**
